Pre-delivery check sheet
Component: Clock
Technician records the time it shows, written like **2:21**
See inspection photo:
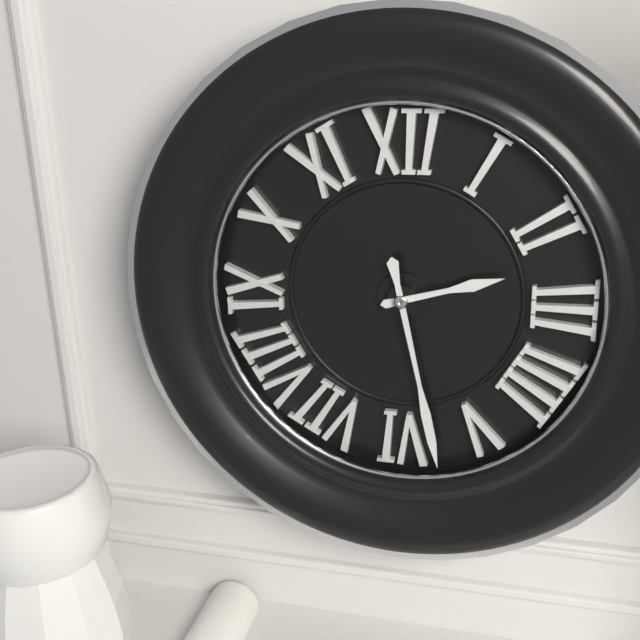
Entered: **2:28**
